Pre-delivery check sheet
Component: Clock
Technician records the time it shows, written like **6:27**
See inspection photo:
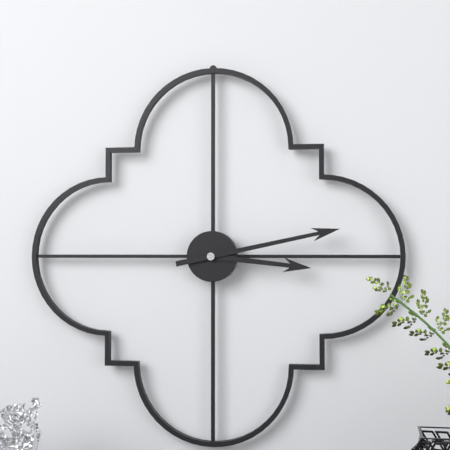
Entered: **3:13**
